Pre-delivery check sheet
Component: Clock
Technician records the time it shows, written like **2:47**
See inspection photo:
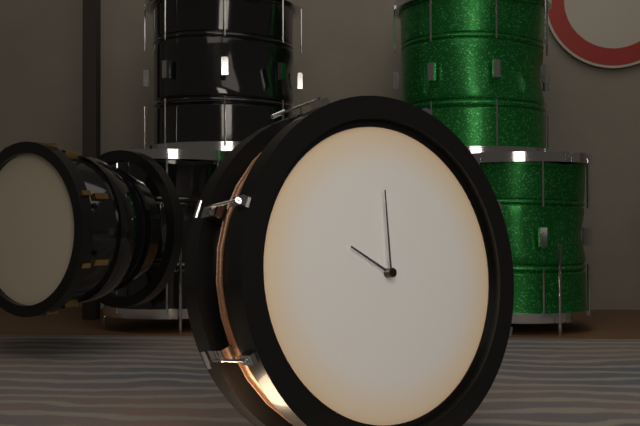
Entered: **10:00**
